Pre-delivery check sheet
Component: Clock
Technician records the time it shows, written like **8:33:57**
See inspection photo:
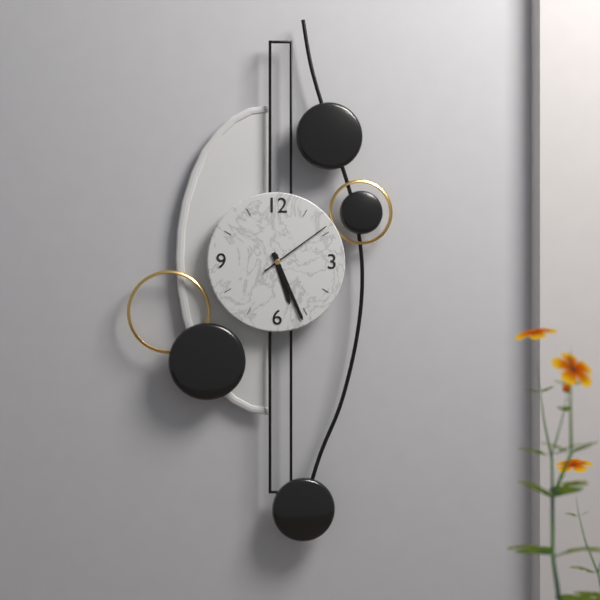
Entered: **5:26:09**
